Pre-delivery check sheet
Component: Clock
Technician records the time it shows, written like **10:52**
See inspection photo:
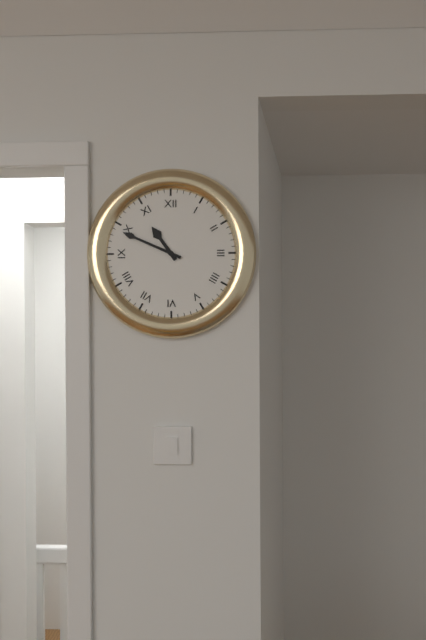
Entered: **10:49**
